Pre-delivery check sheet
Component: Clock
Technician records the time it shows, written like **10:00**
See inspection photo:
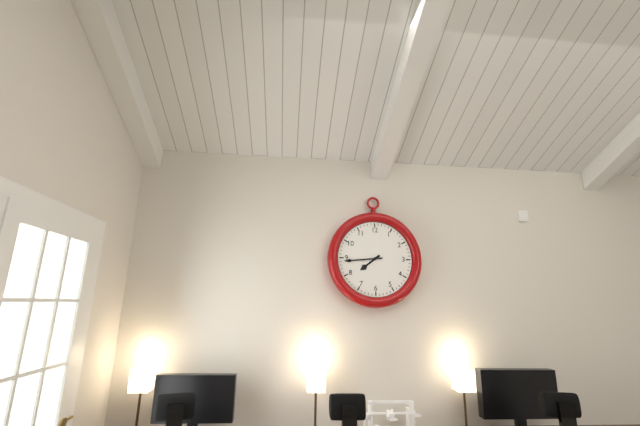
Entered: **7:44**
